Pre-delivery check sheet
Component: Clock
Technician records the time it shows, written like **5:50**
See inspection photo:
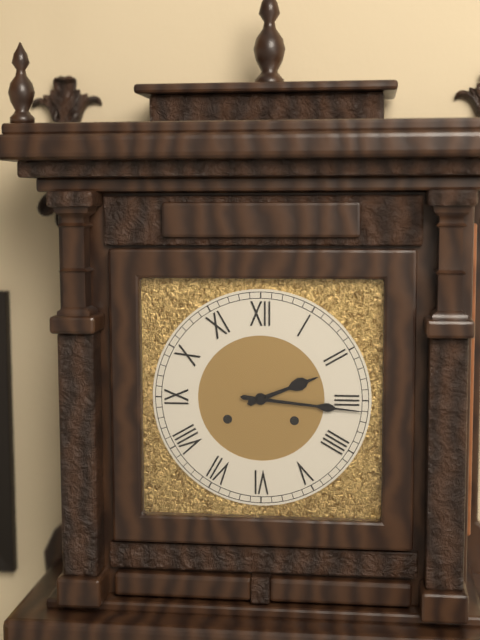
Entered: **2:16**
